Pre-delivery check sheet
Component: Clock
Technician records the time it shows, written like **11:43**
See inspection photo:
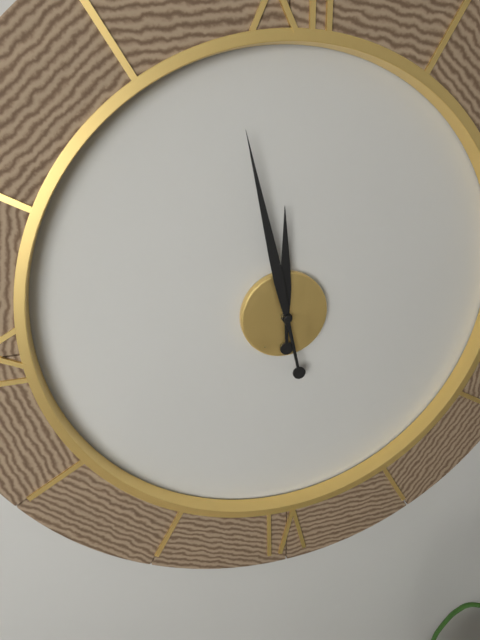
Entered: **11:58**
